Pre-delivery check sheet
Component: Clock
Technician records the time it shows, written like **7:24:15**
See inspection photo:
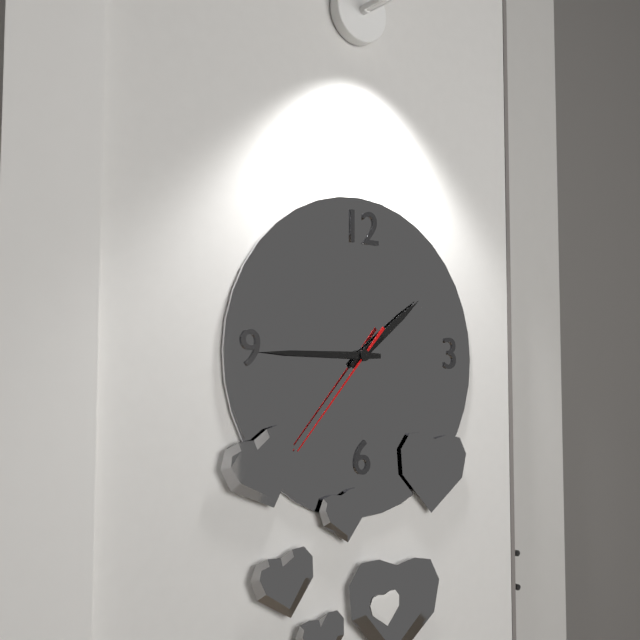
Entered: **1:45:37**
